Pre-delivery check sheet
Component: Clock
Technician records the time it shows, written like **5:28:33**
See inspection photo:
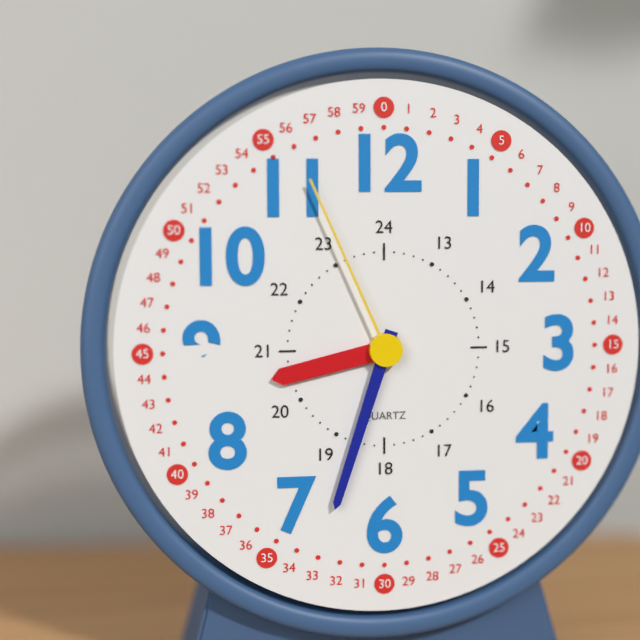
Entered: **8:33:56**
